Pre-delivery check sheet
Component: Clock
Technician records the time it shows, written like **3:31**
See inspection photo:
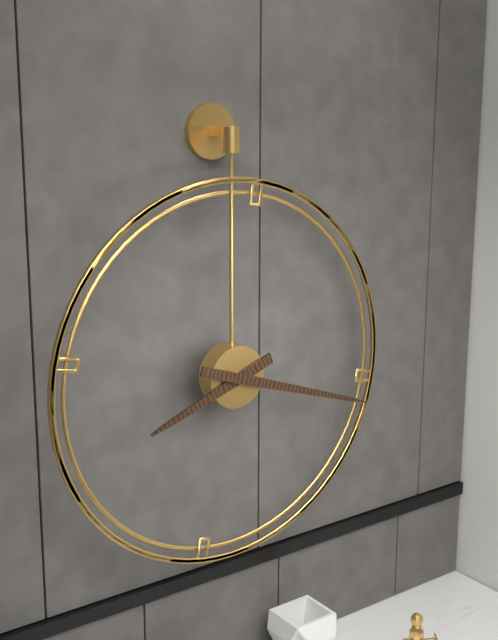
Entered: **8:18**
